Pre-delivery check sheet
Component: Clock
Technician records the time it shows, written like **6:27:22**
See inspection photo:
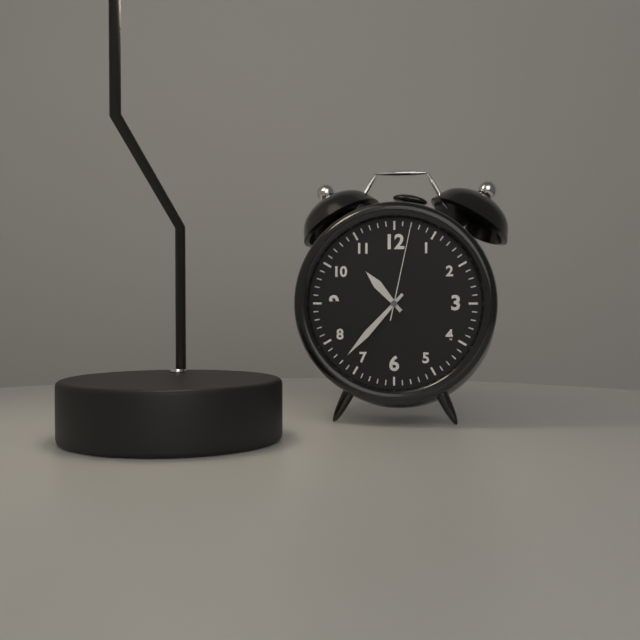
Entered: **10:37:02**
